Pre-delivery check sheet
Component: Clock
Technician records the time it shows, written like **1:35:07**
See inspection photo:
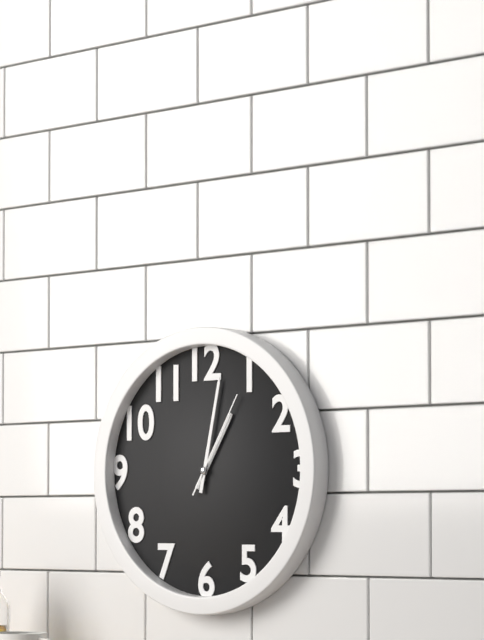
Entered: **1:02:05**
